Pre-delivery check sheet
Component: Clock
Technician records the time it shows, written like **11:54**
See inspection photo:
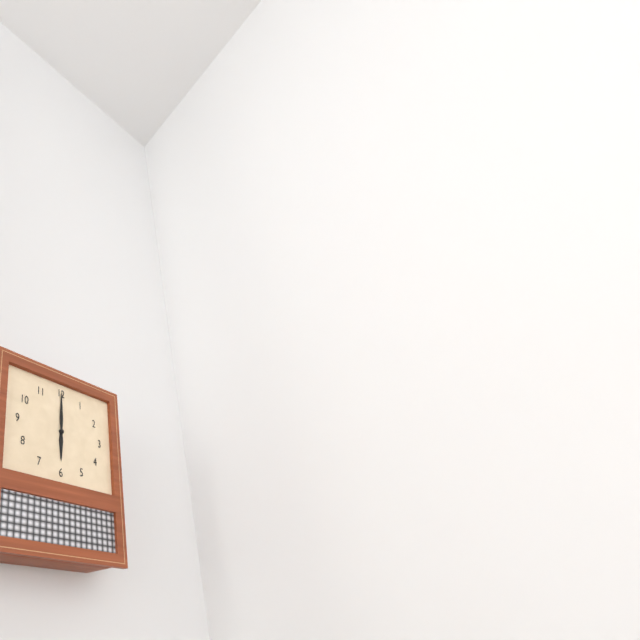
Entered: **6:00**
